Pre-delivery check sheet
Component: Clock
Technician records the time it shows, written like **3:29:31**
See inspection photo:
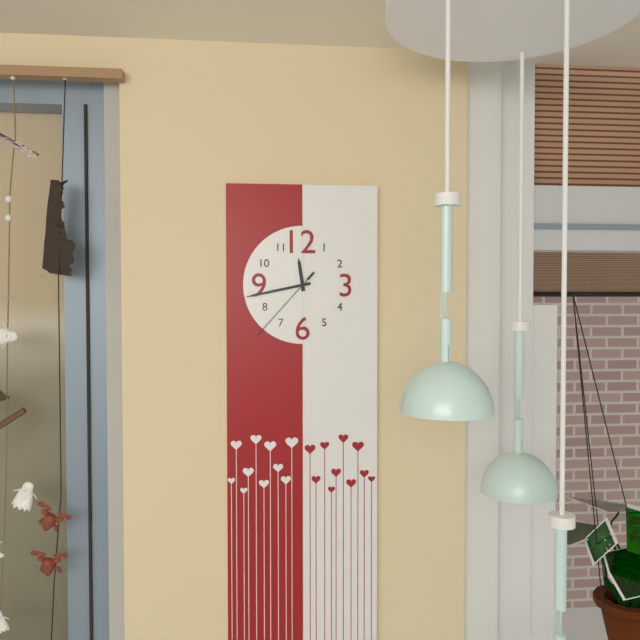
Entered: **11:43:37**
